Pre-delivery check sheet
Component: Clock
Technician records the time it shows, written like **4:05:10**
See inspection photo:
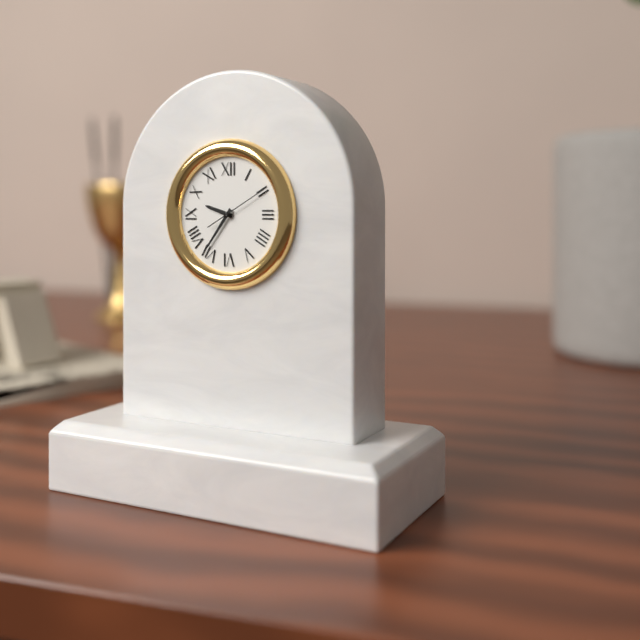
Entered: **9:36:10**
